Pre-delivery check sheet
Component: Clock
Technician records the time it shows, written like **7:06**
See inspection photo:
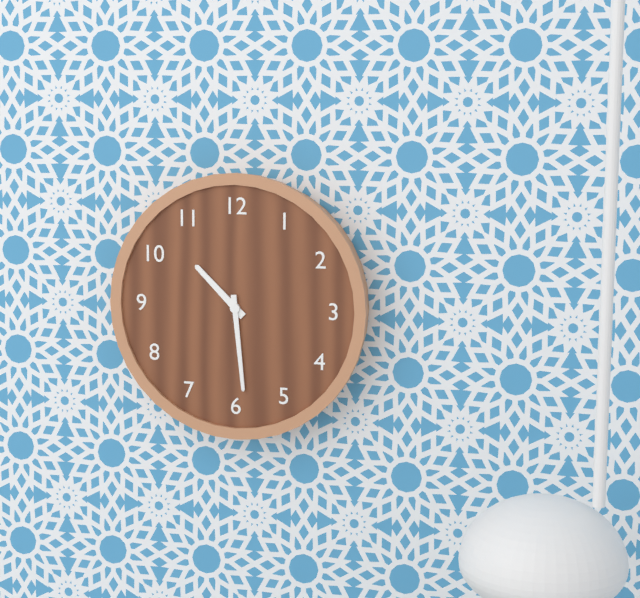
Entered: **10:29**
